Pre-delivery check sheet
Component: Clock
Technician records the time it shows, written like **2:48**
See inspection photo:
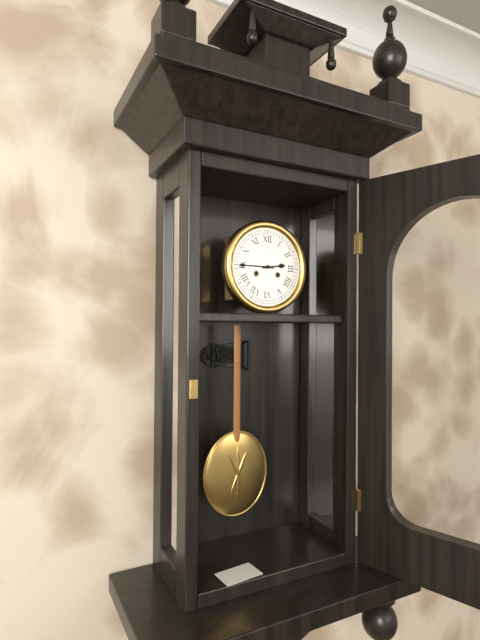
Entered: **2:45**
